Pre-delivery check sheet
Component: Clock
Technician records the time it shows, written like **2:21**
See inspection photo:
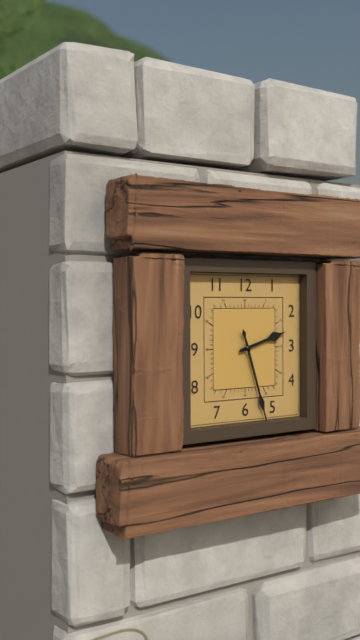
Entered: **2:27**
